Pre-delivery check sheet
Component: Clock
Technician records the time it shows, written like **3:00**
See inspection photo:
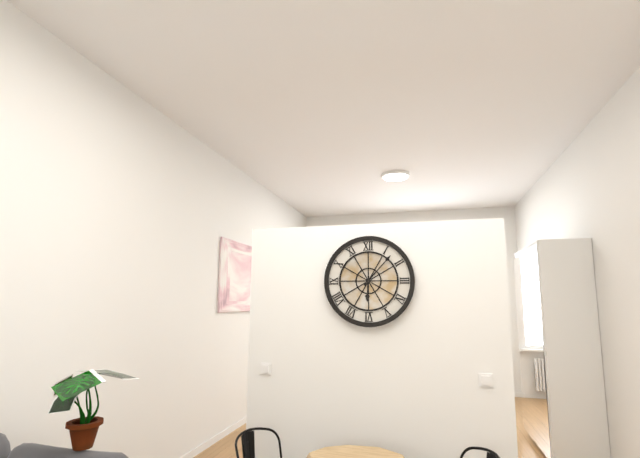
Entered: **6:07**
